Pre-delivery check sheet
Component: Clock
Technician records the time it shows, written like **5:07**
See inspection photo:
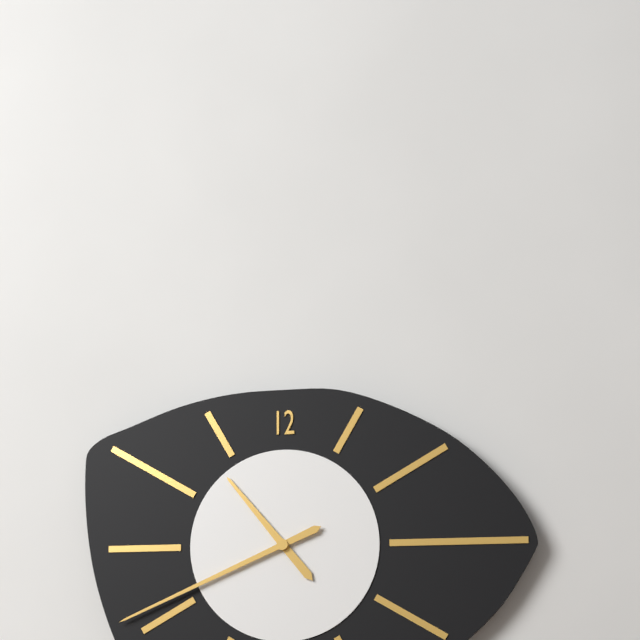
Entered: **10:41**
